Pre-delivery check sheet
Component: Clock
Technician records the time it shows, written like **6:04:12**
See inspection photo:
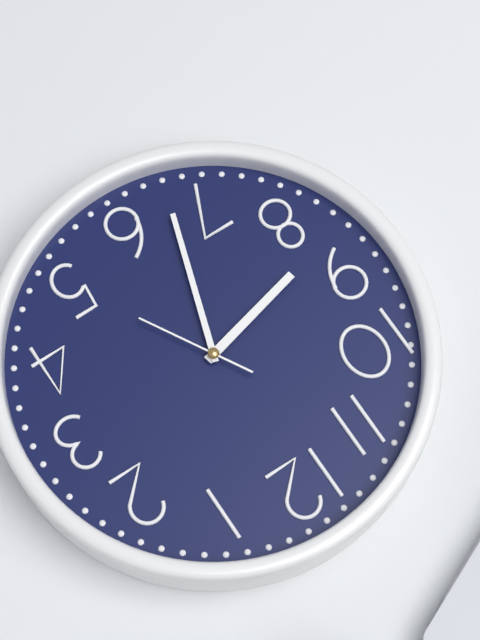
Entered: **8:33:25**
